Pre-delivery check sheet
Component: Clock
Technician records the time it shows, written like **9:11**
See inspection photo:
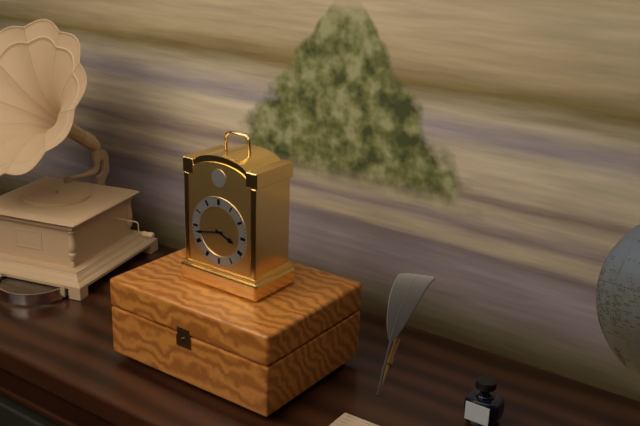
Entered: **3:43**
